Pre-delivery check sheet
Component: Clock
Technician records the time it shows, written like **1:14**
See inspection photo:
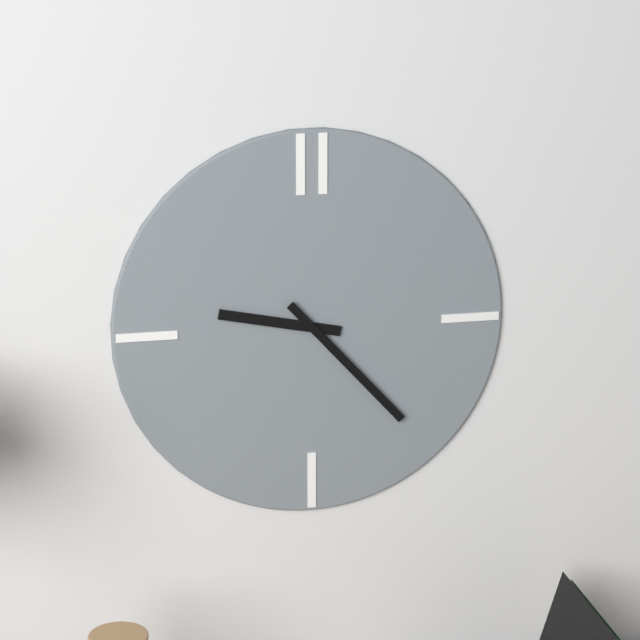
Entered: **9:23**
